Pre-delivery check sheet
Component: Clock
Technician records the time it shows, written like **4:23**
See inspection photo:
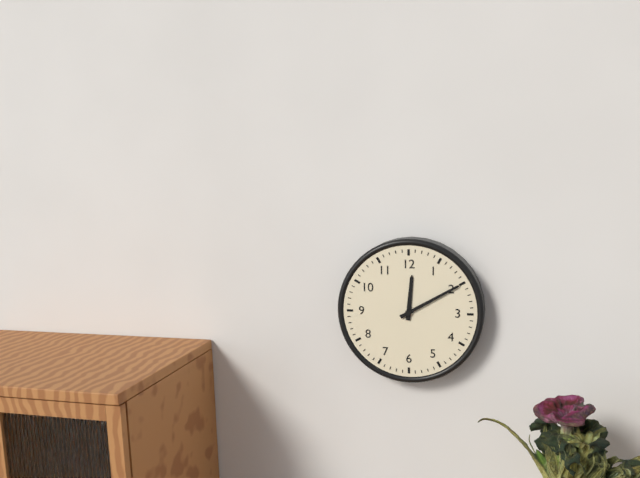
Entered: **12:10**
